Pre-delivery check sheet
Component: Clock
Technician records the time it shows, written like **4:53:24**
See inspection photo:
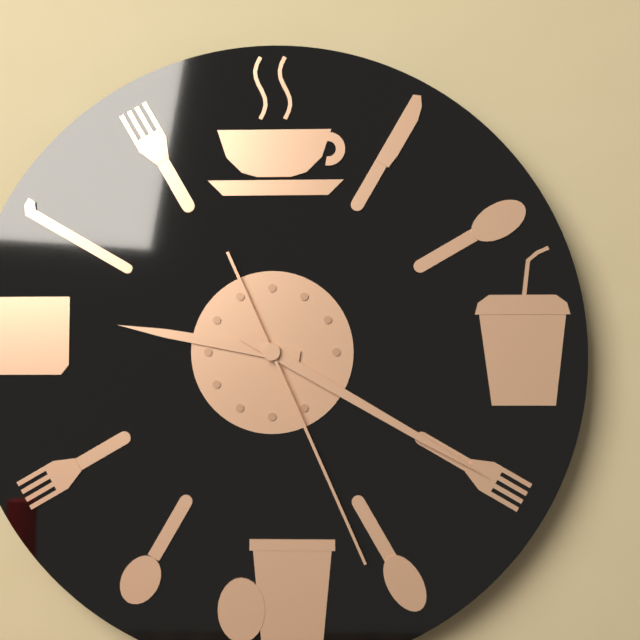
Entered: **9:20:26**
